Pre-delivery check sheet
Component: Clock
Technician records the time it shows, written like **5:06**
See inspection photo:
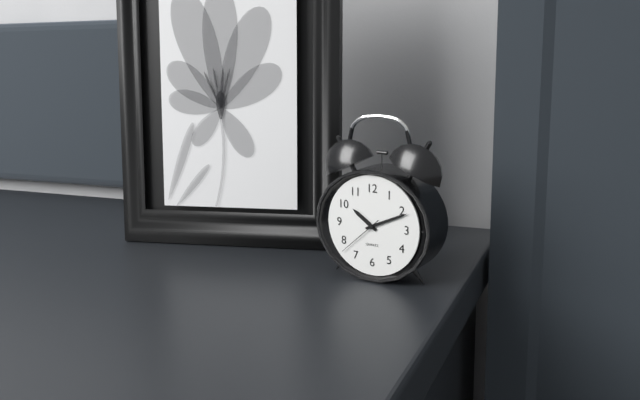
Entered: **10:11**
